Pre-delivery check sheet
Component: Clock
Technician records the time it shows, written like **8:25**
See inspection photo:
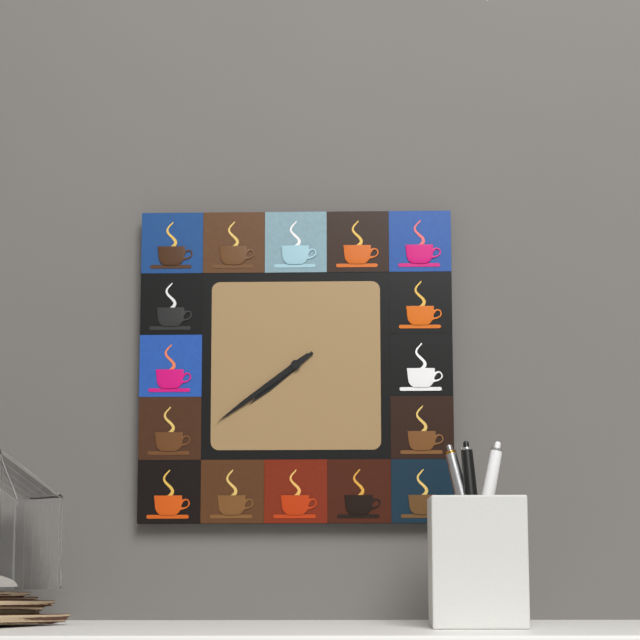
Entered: **7:39**
